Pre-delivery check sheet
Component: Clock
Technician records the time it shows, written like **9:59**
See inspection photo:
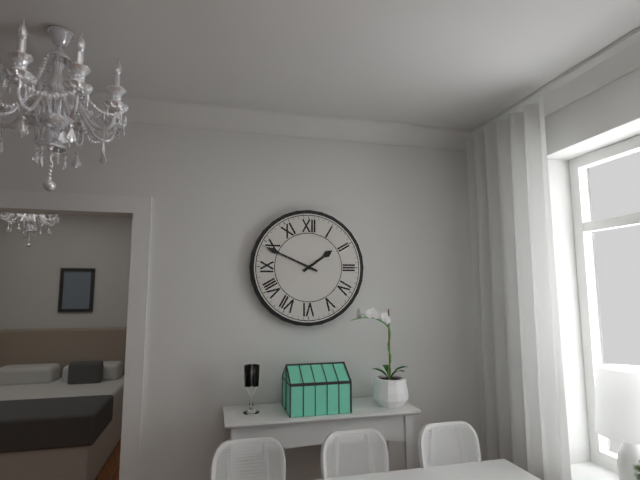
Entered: **1:49**
